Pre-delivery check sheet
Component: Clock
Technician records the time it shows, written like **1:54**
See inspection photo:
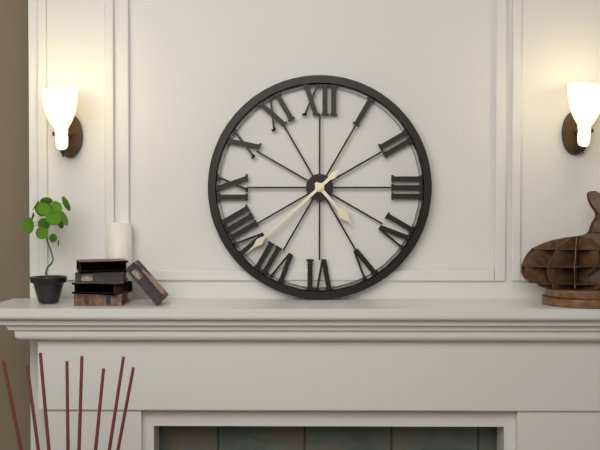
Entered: **4:38**
